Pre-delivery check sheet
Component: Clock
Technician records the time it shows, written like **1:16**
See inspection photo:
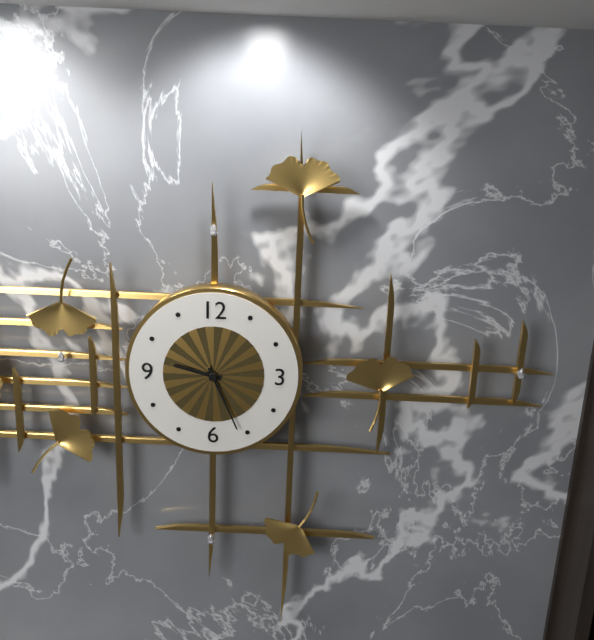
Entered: **9:26**
